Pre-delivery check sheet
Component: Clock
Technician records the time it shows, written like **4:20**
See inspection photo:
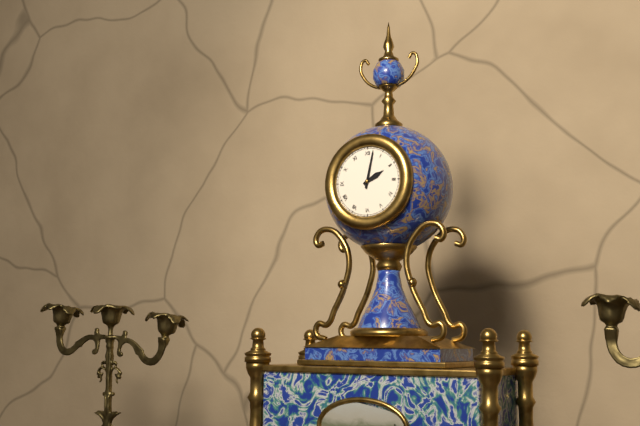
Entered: **2:02**
